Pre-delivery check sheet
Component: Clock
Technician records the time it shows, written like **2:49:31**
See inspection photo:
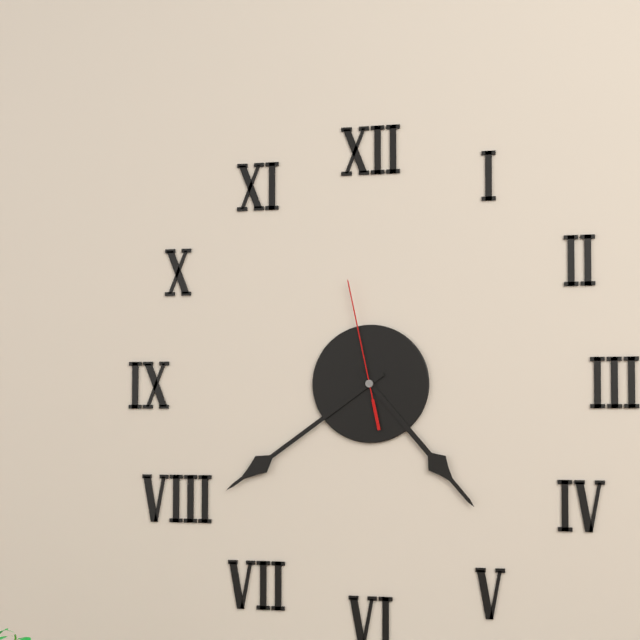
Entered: **4:39:58**
